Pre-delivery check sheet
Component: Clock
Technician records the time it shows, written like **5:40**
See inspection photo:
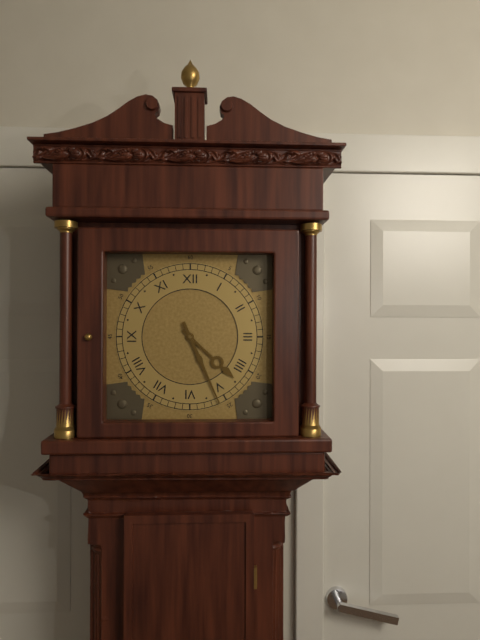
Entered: **4:26**
